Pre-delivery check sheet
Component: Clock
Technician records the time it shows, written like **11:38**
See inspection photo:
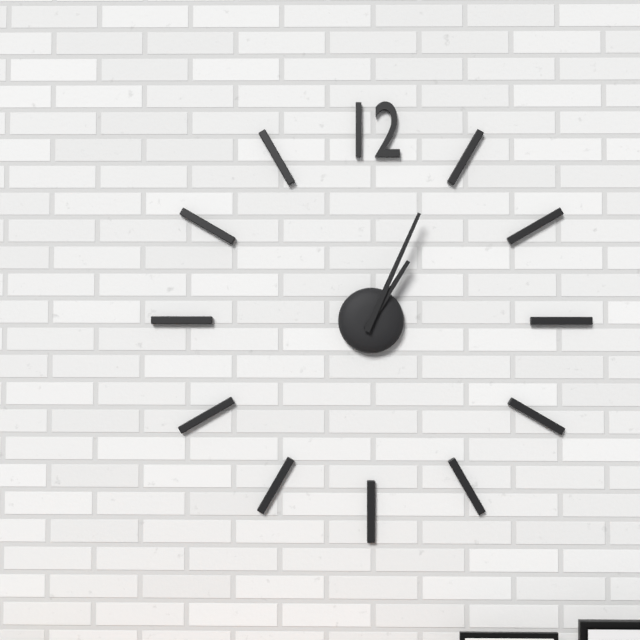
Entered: **1:04**
